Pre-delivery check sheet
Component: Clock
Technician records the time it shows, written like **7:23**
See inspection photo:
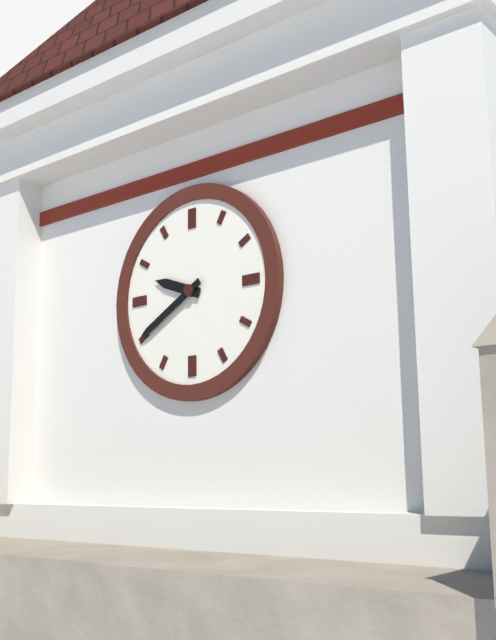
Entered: **9:40**
